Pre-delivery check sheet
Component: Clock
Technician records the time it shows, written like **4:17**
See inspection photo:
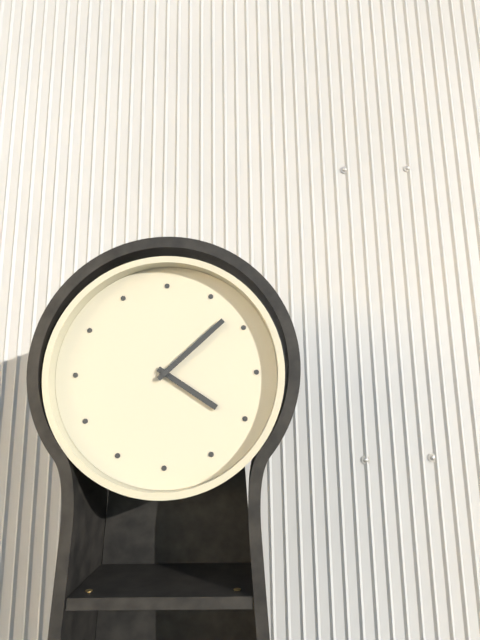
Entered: **4:08**
